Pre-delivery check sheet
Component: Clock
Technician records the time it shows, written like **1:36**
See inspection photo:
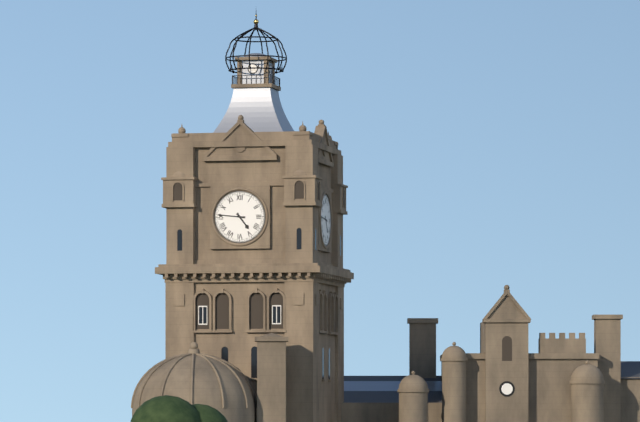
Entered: **4:46**
